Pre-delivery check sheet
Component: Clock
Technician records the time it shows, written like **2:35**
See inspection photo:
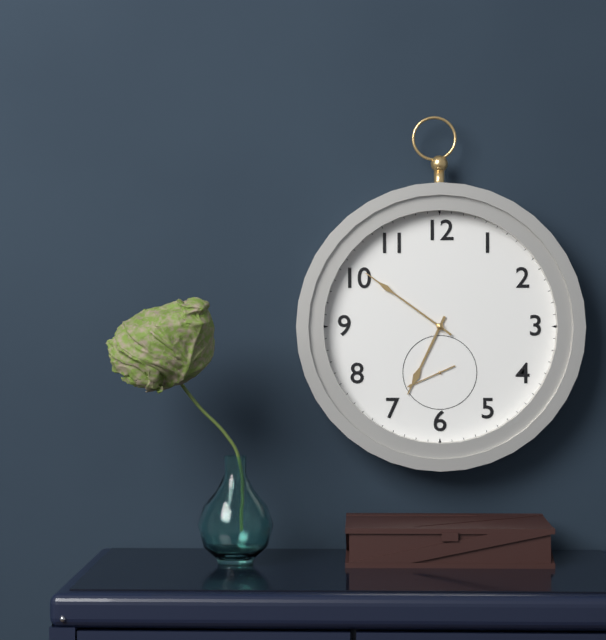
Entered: **6:51**
